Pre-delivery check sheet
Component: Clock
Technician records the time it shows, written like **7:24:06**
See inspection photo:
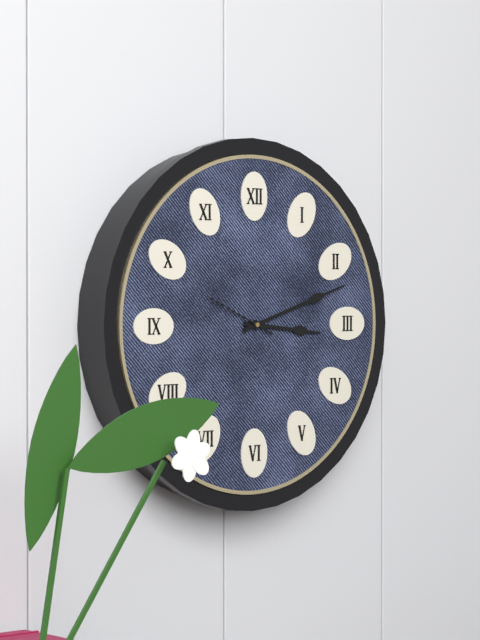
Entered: **3:12:49**
